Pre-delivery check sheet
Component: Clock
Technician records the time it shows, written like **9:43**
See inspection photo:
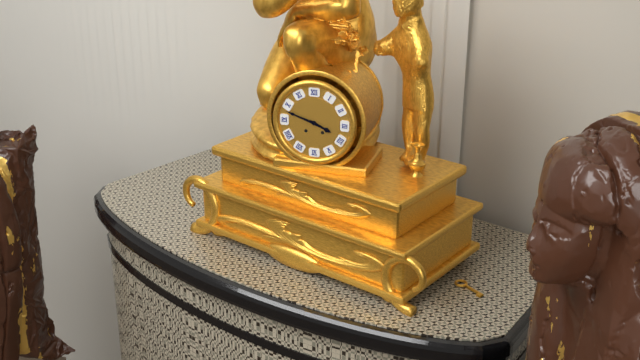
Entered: **3:48**
